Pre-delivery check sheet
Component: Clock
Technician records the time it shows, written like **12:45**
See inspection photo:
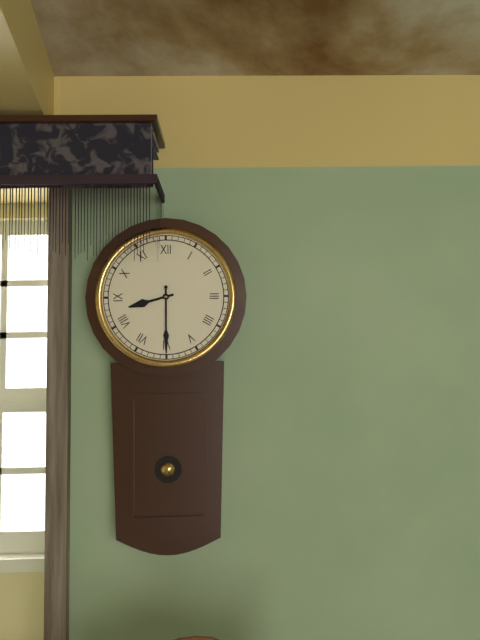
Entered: **8:30**
